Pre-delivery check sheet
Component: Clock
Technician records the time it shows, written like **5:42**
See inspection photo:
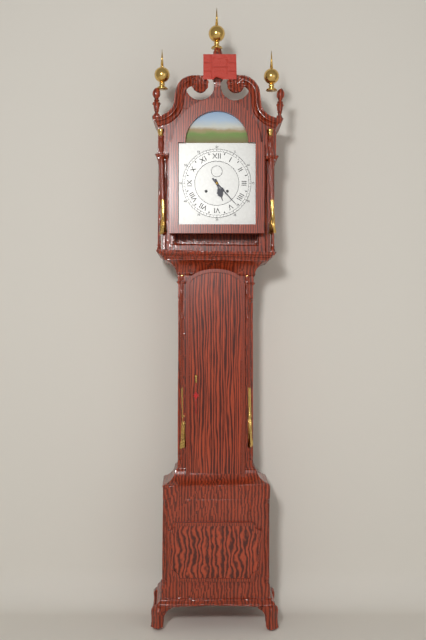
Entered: **5:23**
